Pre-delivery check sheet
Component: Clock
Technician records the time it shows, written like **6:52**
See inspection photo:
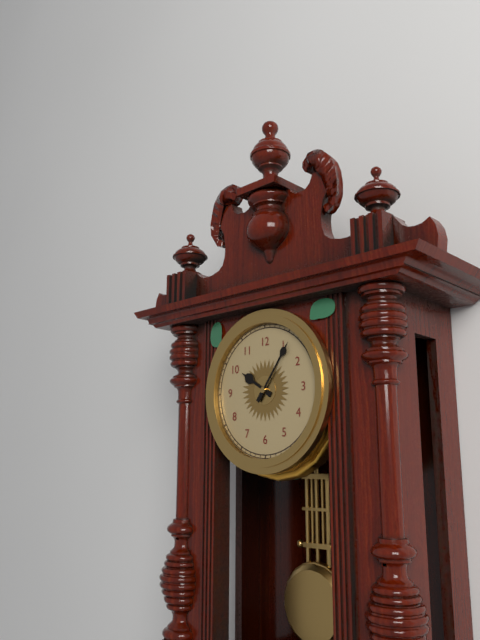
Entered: **10:06**
